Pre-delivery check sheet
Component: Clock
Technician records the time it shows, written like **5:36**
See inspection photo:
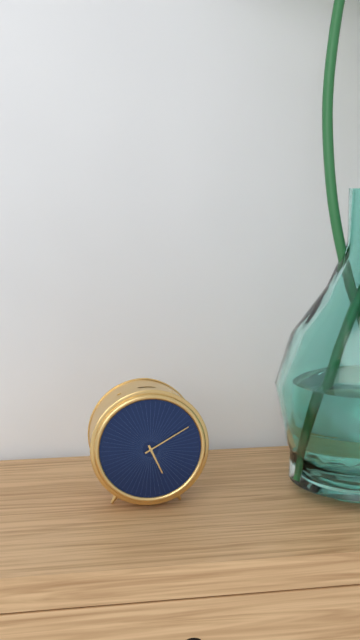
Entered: **5:10**
